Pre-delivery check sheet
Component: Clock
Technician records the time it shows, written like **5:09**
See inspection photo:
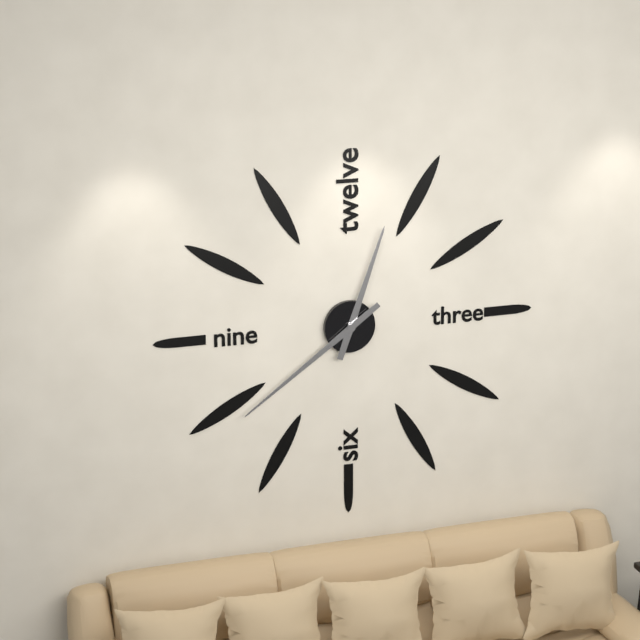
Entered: **12:39**
